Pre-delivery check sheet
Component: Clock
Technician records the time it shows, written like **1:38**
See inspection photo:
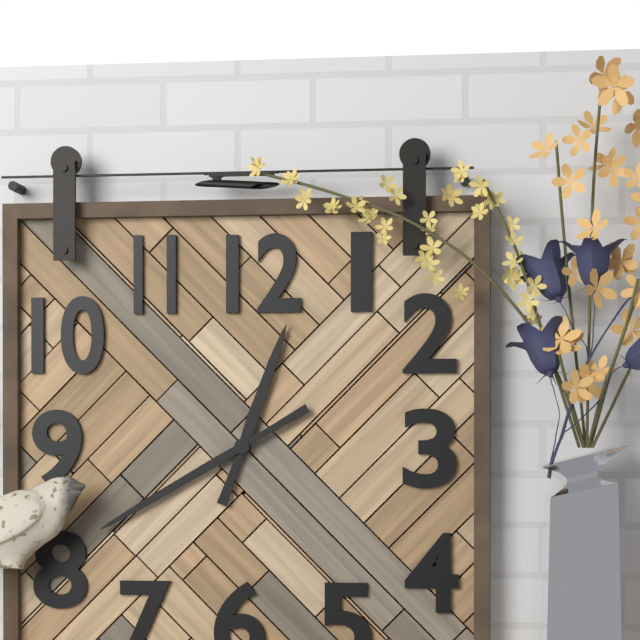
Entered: **12:40**
